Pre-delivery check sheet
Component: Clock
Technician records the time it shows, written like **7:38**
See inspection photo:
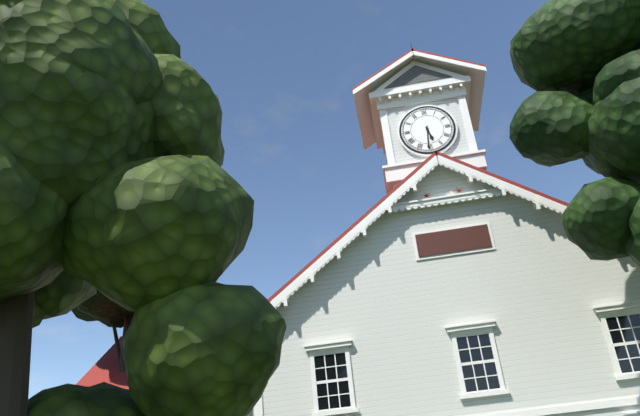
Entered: **5:31**
